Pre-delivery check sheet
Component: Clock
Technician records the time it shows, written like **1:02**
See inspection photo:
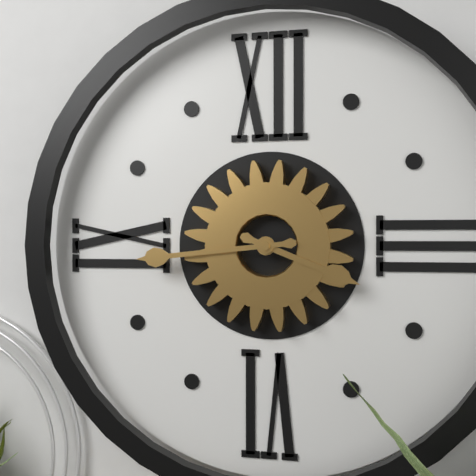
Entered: **3:44**
